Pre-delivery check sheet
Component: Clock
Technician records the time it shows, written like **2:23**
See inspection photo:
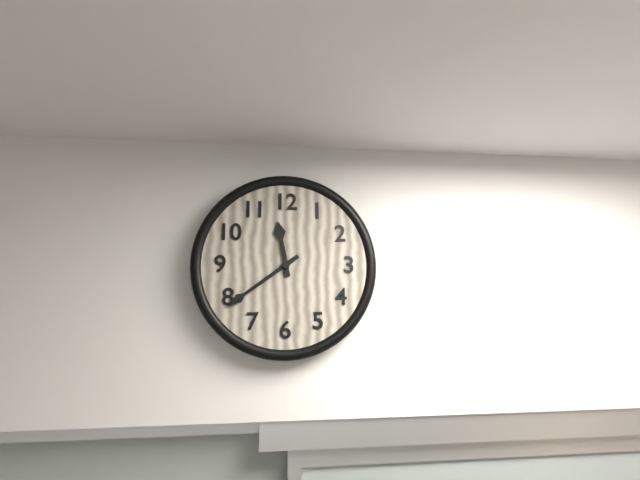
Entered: **11:39**
